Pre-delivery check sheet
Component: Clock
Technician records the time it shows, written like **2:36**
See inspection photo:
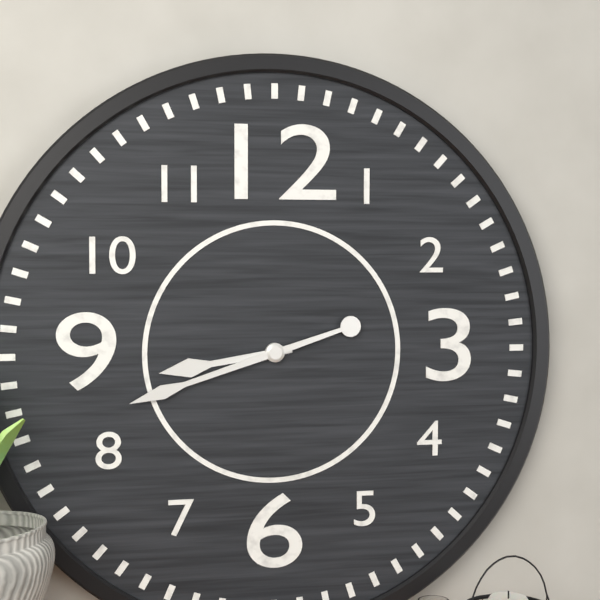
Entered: **8:42**
